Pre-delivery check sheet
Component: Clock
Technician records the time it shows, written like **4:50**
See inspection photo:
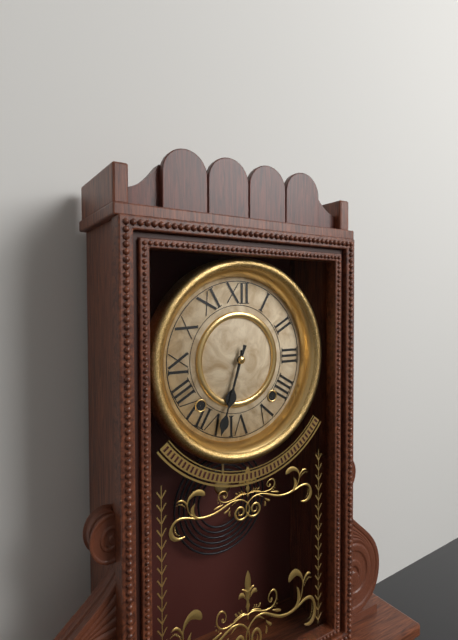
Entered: **6:33**
